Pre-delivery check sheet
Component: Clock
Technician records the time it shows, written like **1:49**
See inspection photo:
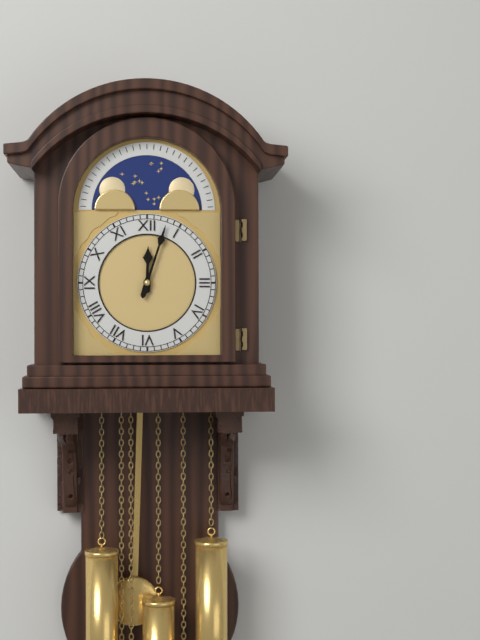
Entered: **12:03**
